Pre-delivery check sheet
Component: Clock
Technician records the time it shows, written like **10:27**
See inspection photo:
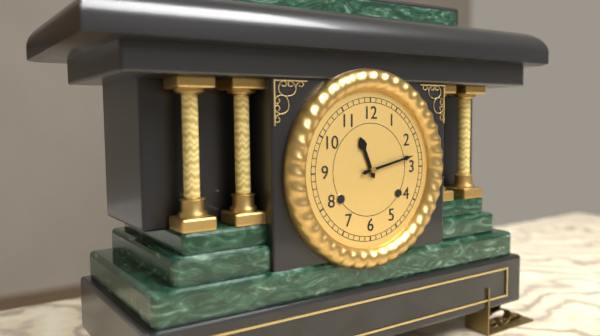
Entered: **11:13**
